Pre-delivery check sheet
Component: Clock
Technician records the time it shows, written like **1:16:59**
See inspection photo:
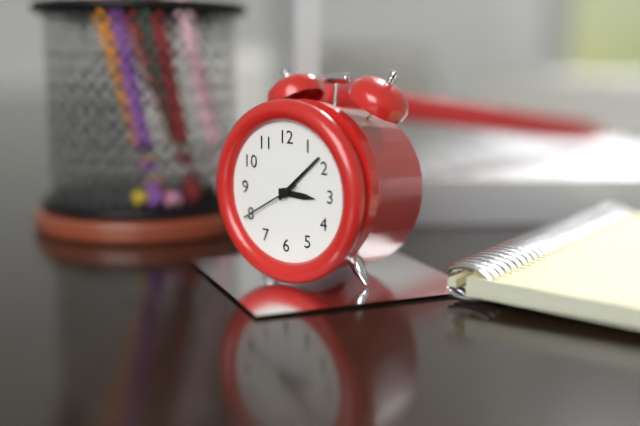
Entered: **3:08:40**
